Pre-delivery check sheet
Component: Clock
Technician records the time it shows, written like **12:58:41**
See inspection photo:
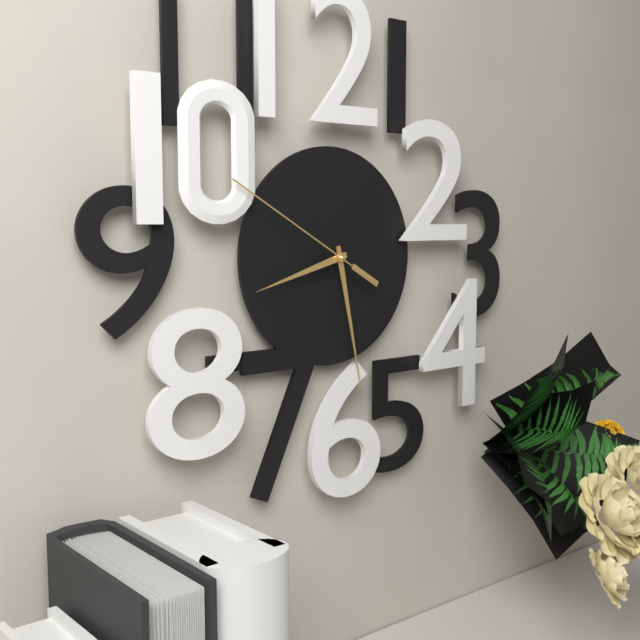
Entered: **8:28:50**
